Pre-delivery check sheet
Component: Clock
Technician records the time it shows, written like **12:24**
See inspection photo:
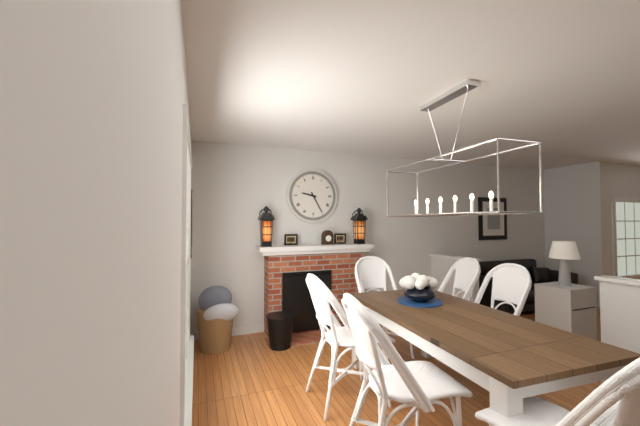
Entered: **9:25**
